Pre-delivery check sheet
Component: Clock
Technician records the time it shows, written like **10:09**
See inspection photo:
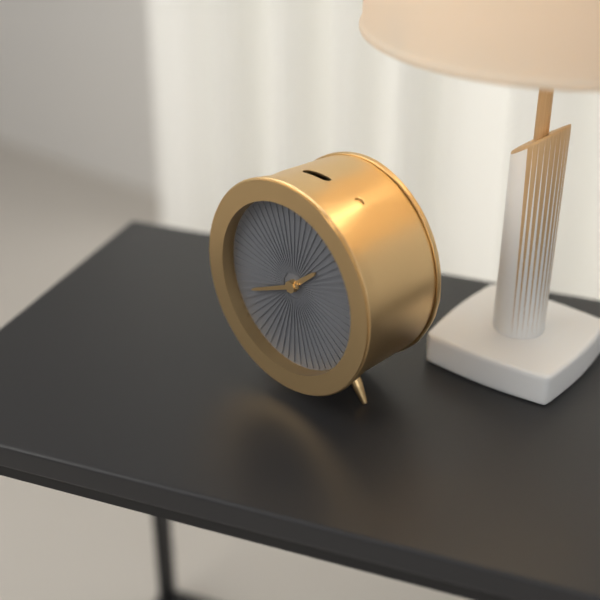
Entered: **1:41**
